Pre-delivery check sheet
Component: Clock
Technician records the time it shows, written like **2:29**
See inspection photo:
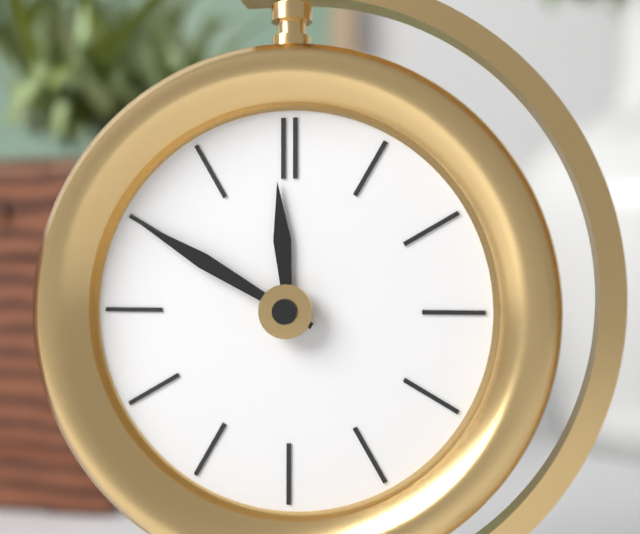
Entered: **11:50**
